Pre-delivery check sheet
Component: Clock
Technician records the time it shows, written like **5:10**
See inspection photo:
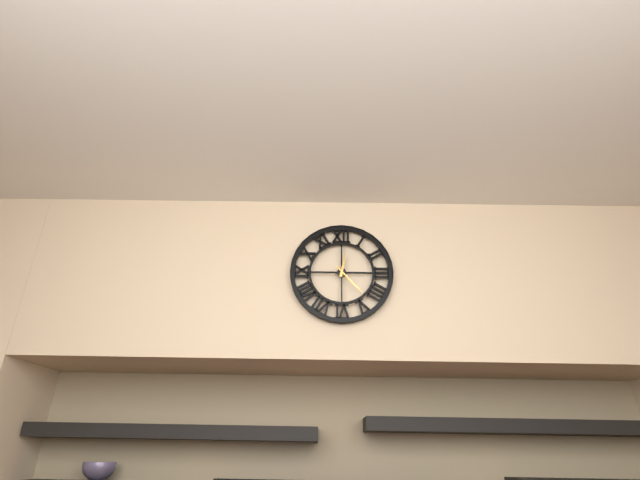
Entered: **12:23**
